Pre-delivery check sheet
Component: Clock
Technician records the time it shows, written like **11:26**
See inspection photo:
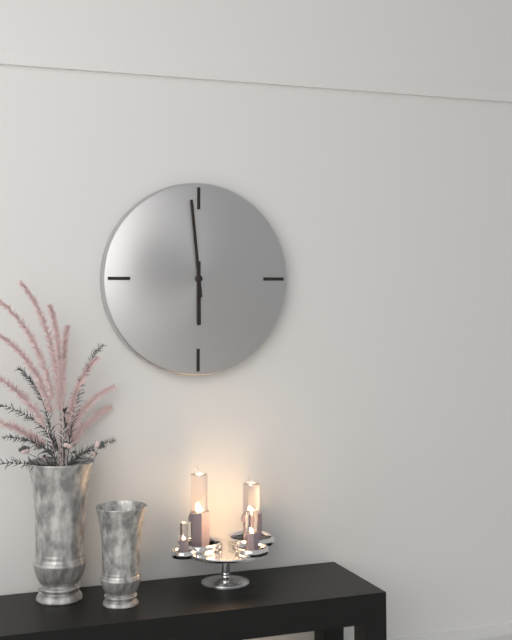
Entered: **5:59**
